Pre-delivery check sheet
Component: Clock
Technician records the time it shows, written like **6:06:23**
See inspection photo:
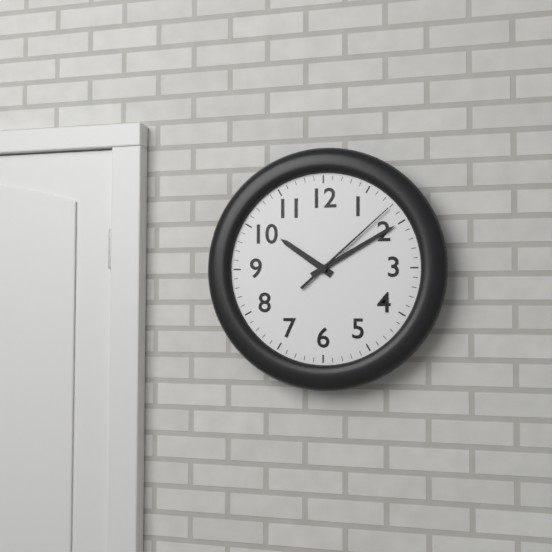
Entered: **10:10:08**
